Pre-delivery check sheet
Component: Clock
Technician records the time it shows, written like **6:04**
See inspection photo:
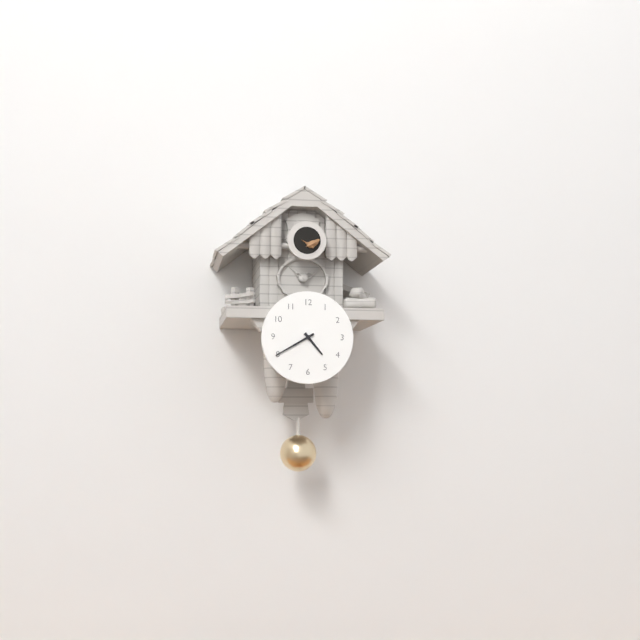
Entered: **4:40**
